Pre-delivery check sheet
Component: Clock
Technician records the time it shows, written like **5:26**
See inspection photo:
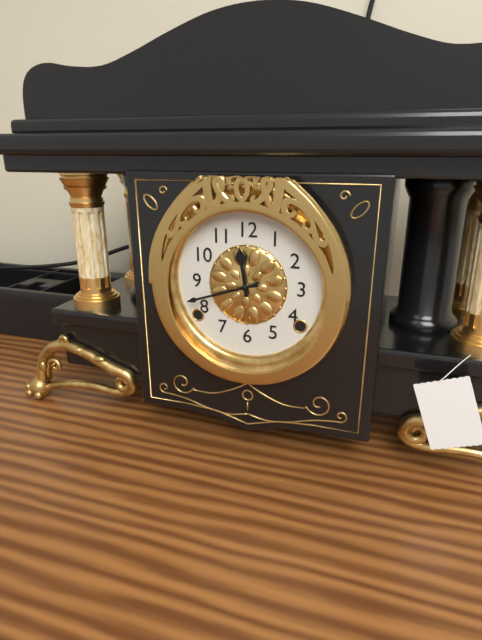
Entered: **11:42**
